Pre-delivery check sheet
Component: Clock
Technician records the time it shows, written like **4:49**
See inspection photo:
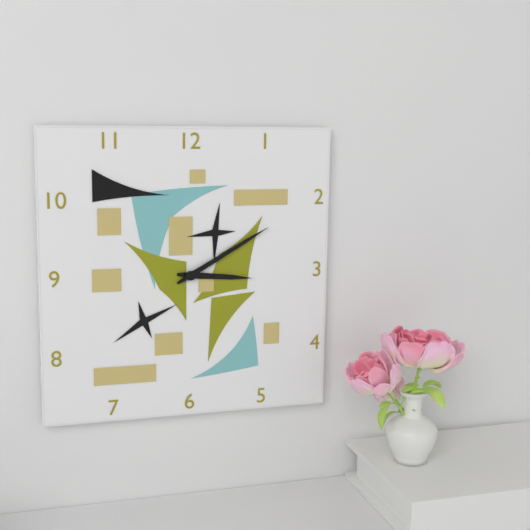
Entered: **3:10**
